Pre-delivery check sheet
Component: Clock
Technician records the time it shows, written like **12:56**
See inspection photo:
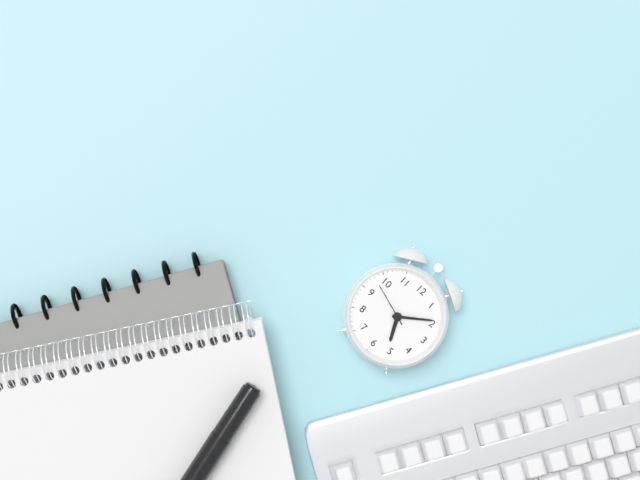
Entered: **5:09**
